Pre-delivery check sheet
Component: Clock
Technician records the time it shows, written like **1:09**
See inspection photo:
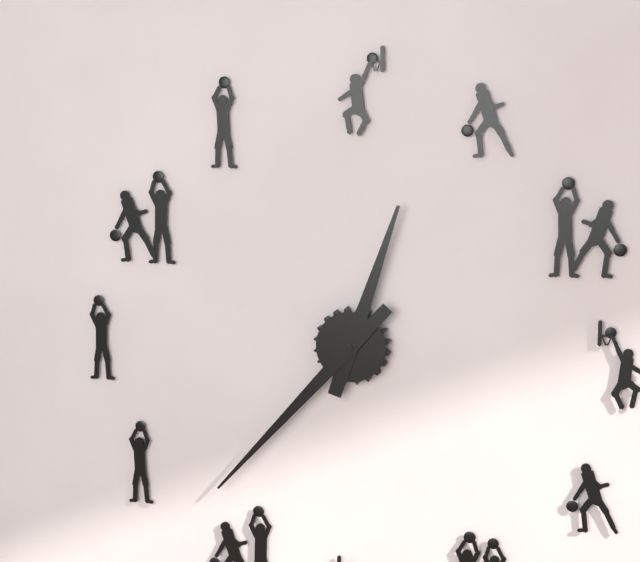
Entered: **12:37**
